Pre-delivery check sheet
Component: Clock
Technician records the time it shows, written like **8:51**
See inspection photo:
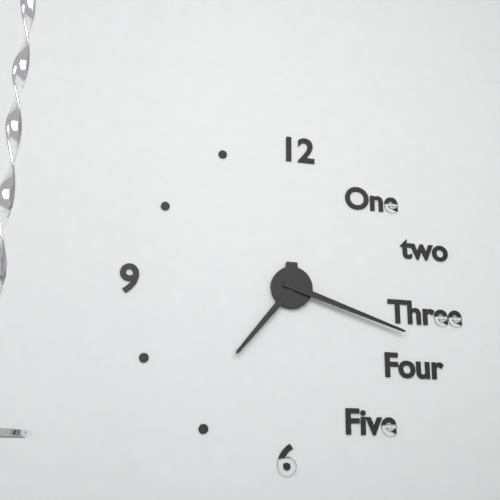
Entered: **7:18**
